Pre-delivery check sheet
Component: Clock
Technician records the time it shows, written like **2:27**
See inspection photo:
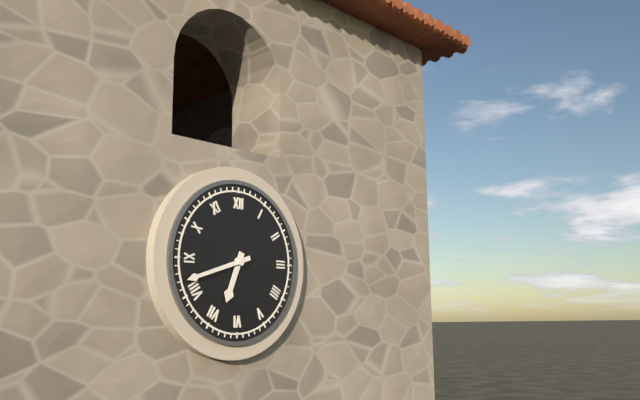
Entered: **6:42**
